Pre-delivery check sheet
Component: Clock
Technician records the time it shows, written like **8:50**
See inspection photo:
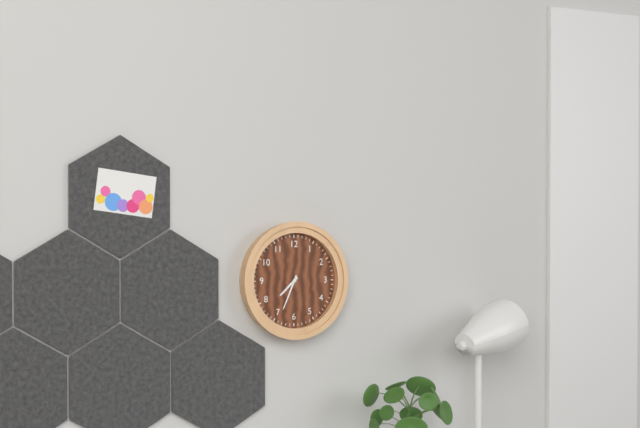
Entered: **7:34**
